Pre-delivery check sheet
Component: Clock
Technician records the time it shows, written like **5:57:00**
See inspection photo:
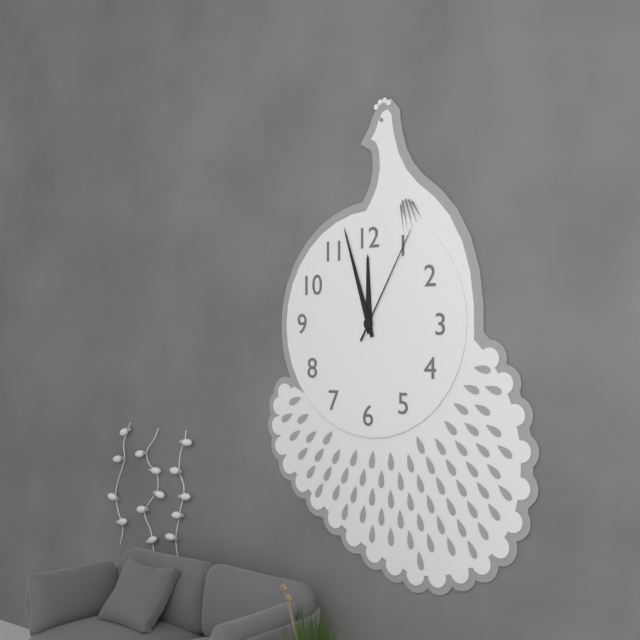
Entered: **11:57:05**
